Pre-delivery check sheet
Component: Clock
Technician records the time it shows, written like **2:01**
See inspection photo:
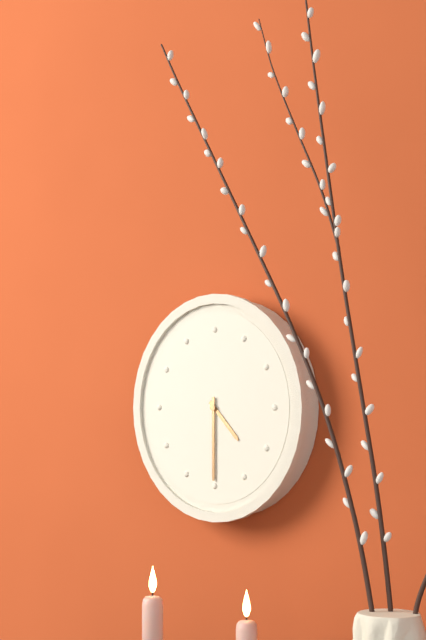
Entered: **4:30**
